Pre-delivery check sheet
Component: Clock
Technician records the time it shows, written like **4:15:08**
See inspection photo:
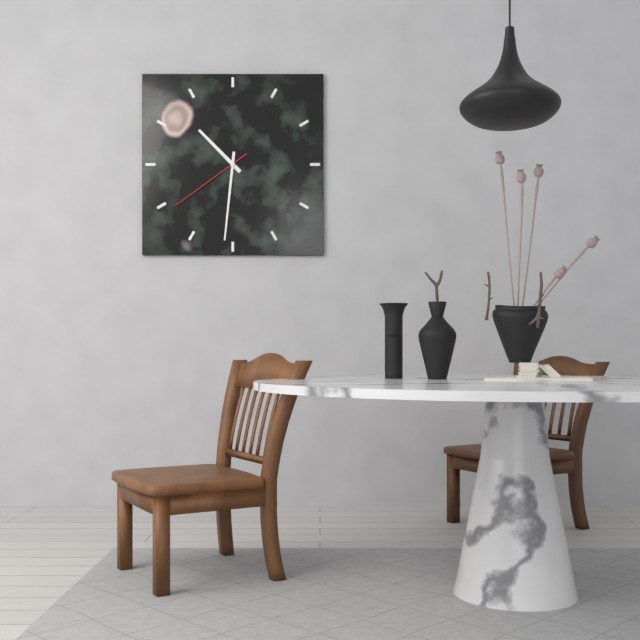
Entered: **10:31:39**
